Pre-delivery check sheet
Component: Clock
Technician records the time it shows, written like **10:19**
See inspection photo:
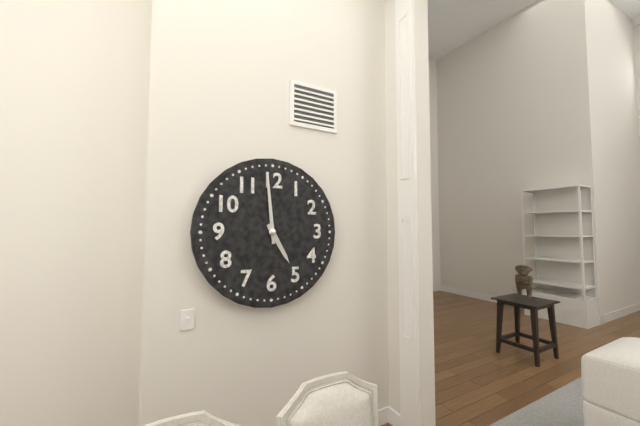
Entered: **4:59**
